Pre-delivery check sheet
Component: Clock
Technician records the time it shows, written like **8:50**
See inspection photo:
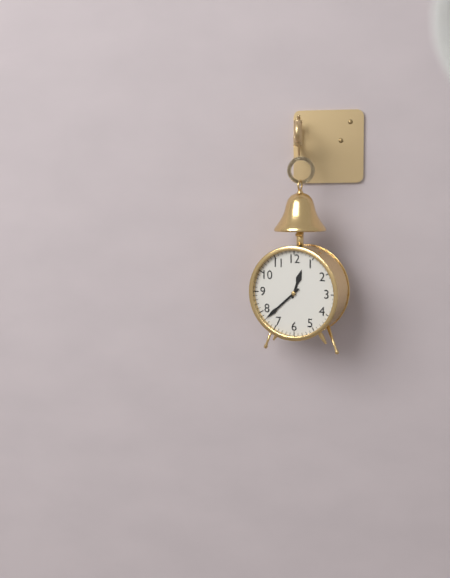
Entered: **12:38**
